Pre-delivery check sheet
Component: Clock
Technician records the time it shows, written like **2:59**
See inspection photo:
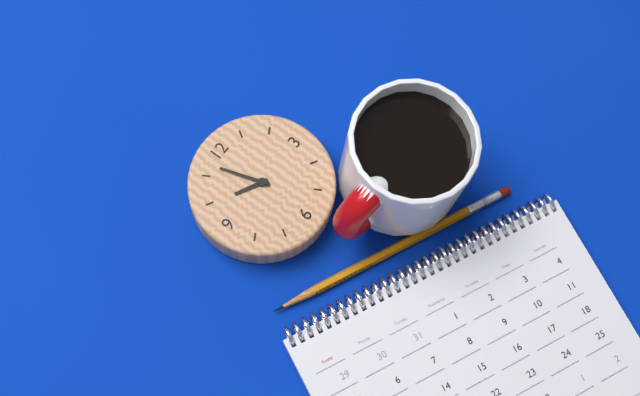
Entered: **9:57**
